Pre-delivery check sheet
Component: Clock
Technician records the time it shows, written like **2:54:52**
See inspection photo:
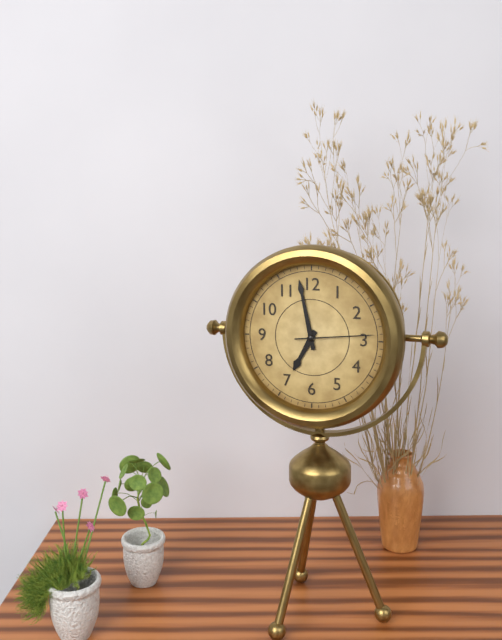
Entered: **6:58:14**
